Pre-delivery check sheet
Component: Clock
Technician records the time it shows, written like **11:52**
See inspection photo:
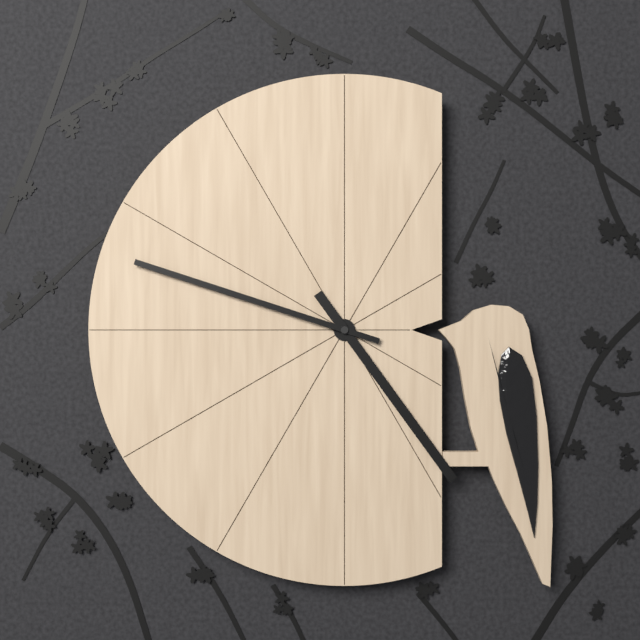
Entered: **4:48**
